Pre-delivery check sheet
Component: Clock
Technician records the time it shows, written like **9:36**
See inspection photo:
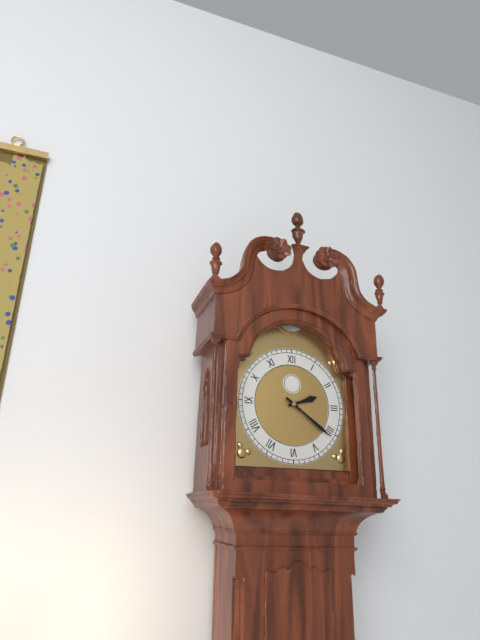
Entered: **2:21**
